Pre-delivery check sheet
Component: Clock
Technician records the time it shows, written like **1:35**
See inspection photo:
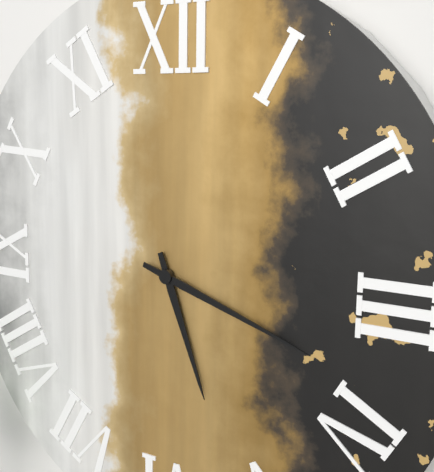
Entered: **5:18**
